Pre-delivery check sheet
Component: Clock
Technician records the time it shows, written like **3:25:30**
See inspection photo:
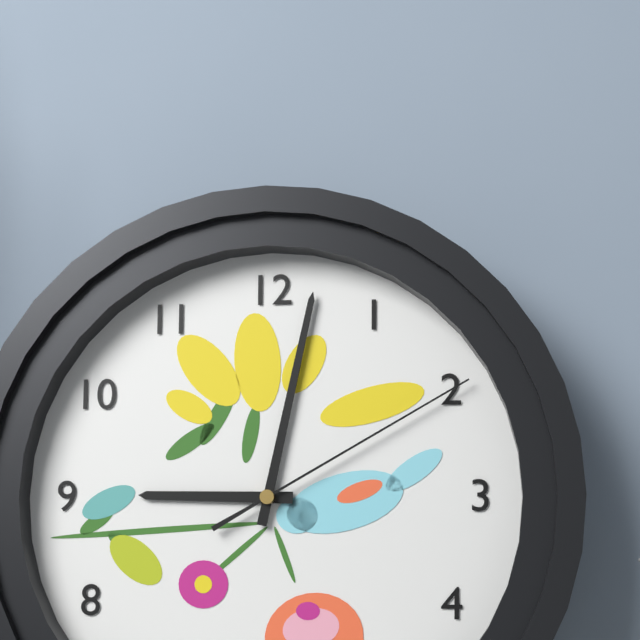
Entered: **9:02:10**
